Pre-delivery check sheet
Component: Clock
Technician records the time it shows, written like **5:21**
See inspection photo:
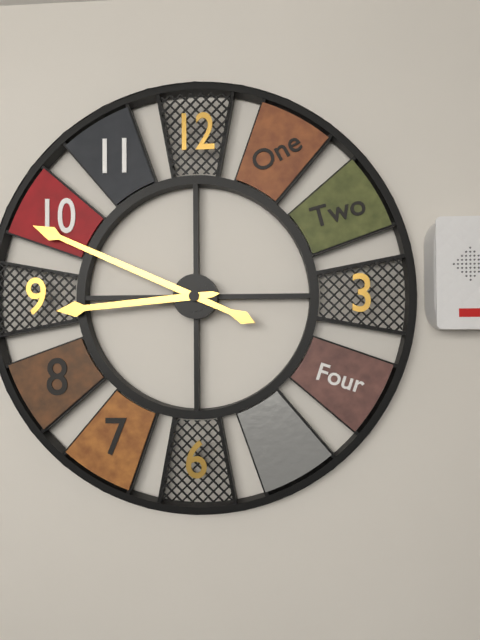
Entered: **8:49**
